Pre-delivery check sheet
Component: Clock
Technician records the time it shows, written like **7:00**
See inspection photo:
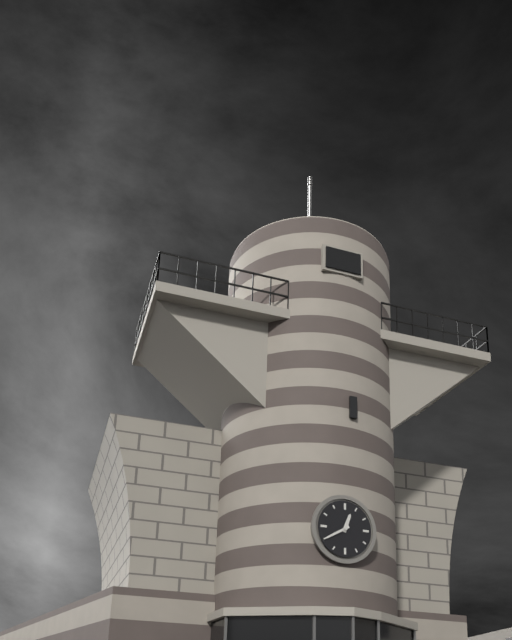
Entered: **12:40**
